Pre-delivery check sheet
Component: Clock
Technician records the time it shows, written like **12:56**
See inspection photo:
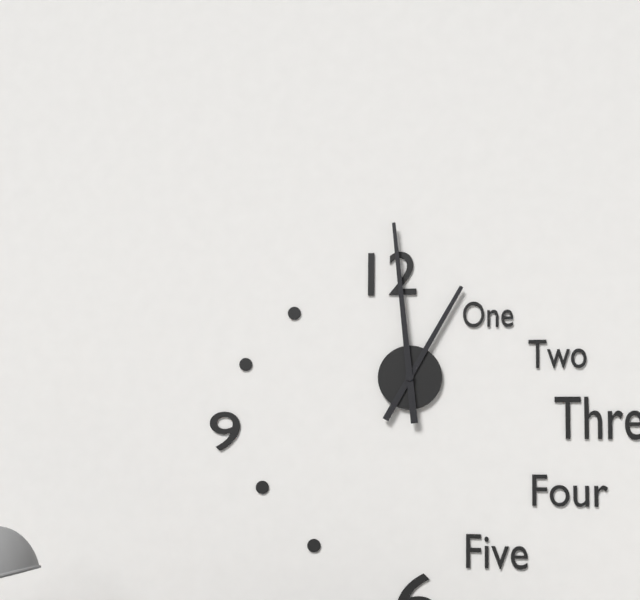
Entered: **12:59**
